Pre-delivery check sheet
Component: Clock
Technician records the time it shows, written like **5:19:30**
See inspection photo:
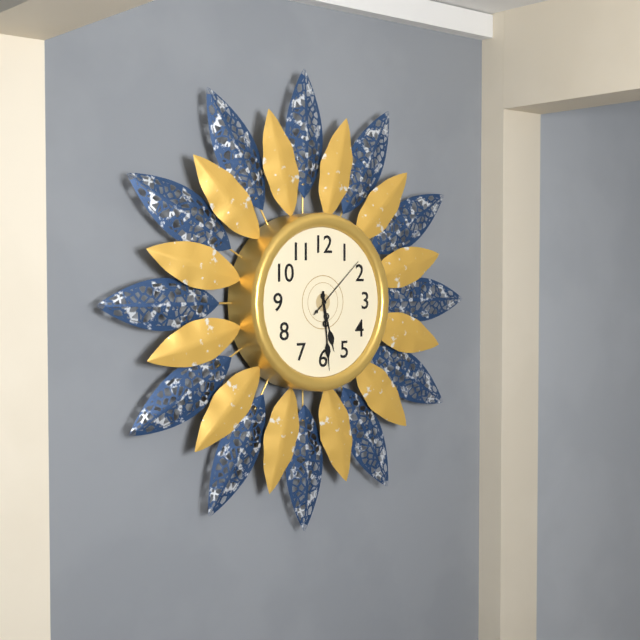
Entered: **5:29:08**
